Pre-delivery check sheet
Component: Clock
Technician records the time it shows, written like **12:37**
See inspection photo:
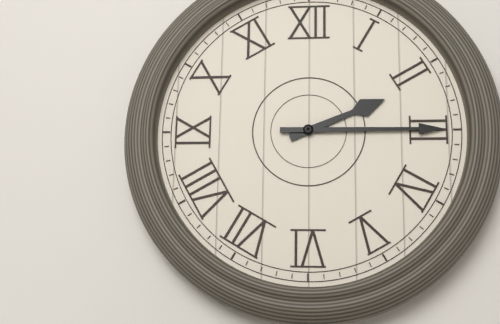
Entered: **2:15**
